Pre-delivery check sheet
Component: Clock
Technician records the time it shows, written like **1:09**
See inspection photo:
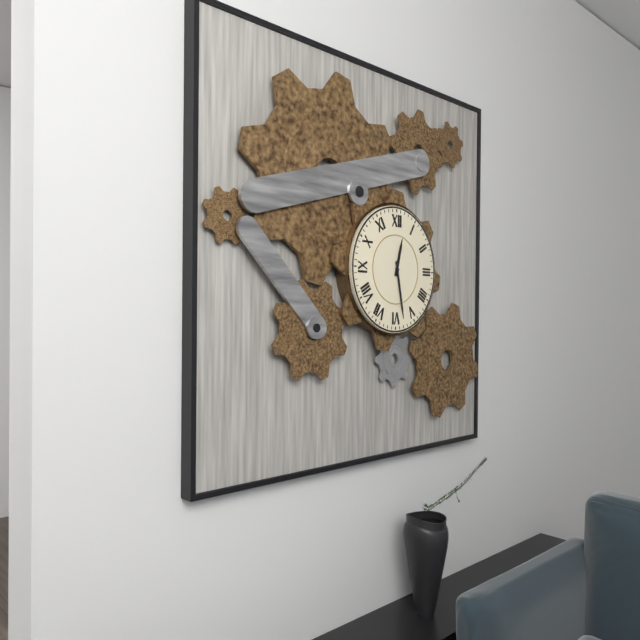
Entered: **12:28**
